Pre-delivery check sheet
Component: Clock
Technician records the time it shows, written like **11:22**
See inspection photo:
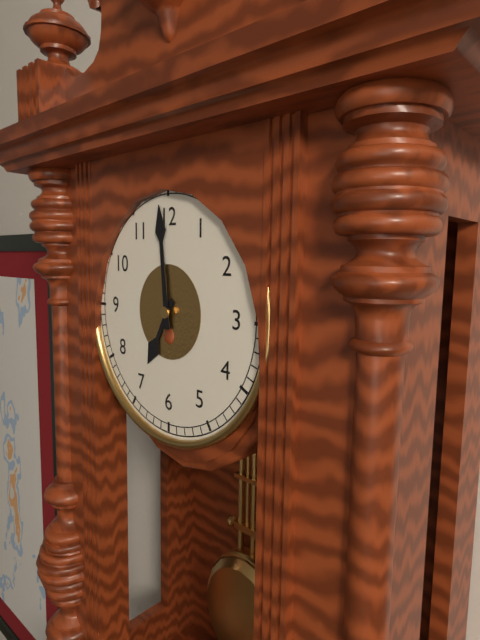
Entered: **6:59**
